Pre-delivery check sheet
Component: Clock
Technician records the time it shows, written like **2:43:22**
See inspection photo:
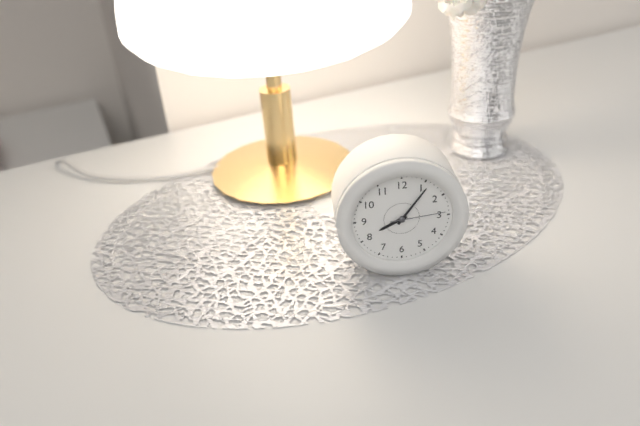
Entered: **8:06:14**
